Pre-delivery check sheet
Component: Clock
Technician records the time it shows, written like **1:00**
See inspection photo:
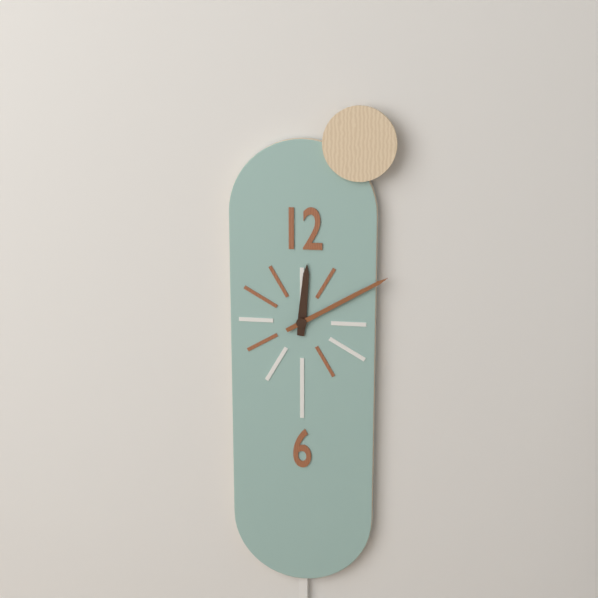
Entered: **12:10**
